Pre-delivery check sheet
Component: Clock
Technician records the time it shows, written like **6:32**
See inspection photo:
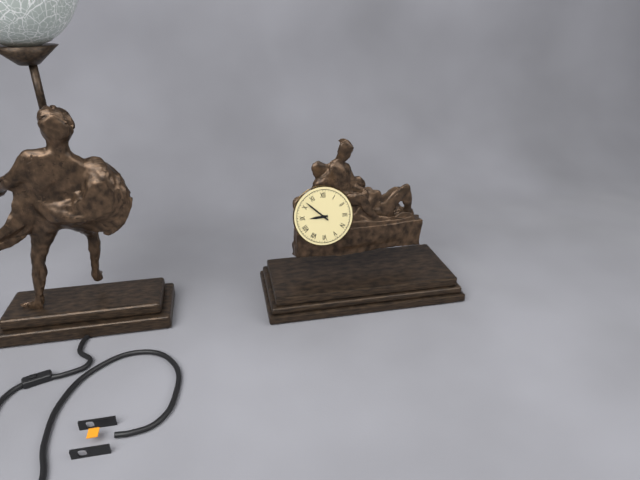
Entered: **8:52**
